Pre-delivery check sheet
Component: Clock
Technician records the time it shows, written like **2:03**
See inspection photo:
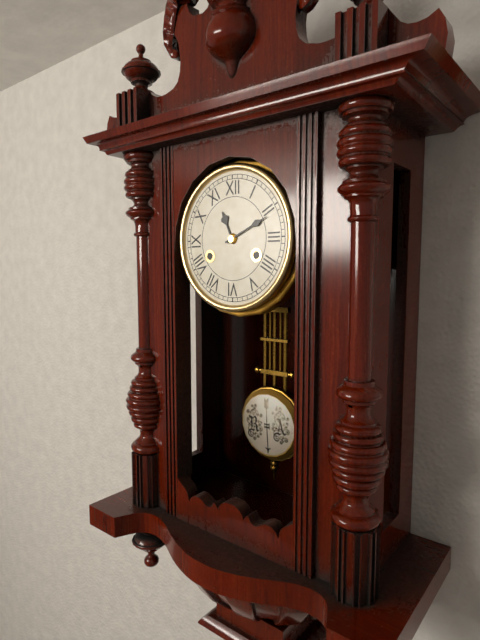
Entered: **11:11**
